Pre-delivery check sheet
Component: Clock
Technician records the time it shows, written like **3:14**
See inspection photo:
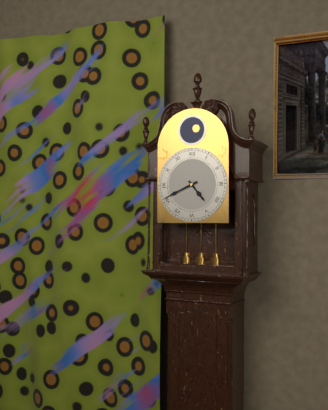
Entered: **4:41**
